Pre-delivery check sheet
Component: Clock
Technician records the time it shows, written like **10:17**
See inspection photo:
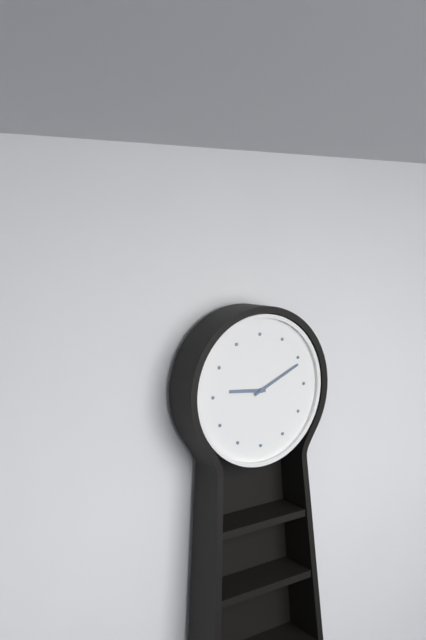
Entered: **9:11**
